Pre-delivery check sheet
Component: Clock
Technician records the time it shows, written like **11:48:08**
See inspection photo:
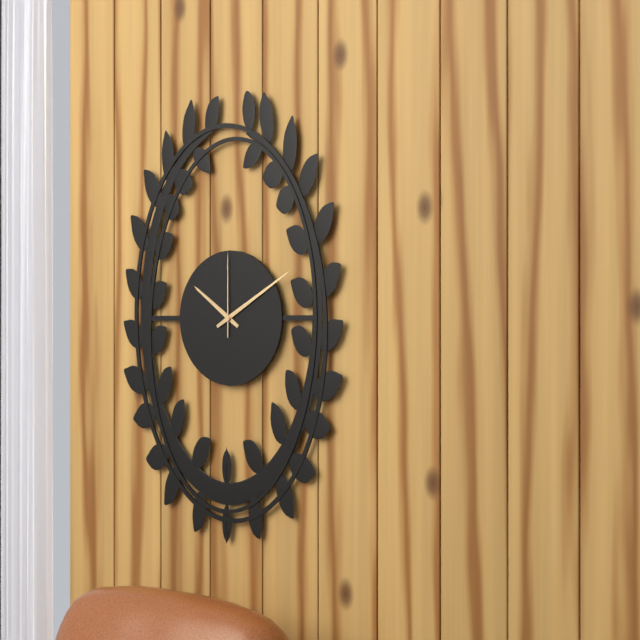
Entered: **10:10:00**
